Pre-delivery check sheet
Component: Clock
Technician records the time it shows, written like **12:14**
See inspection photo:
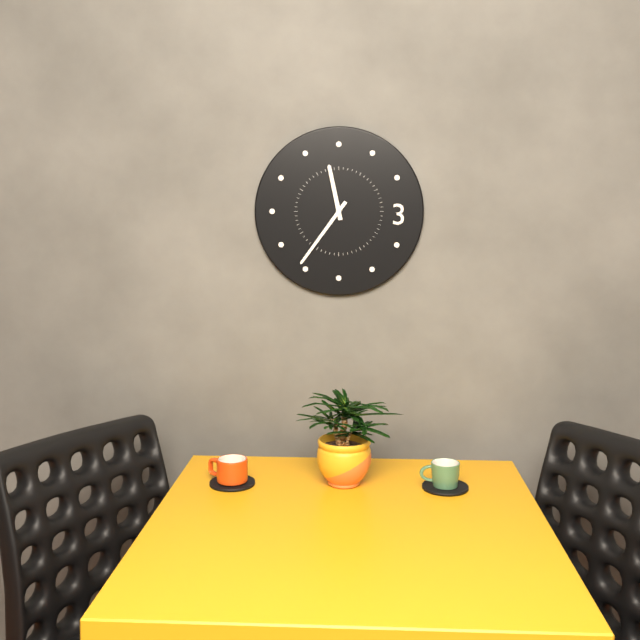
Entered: **11:36**
